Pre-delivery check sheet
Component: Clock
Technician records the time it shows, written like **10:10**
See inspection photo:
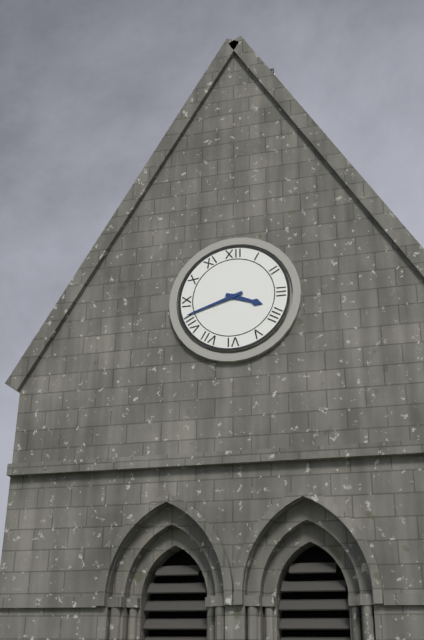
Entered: **3:42**
